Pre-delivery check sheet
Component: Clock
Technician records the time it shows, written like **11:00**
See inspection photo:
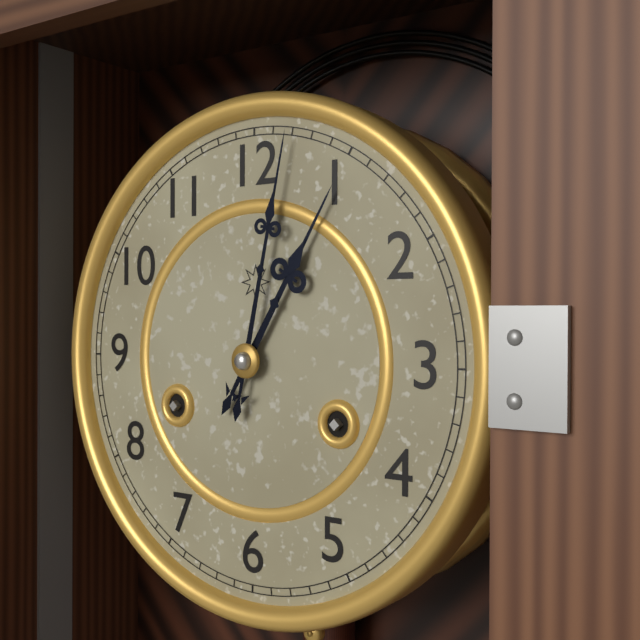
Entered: **1:02**
